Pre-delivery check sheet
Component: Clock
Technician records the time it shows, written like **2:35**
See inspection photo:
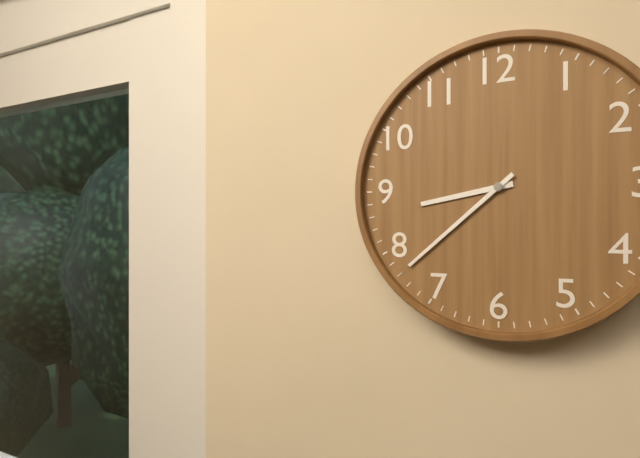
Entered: **8:38**
